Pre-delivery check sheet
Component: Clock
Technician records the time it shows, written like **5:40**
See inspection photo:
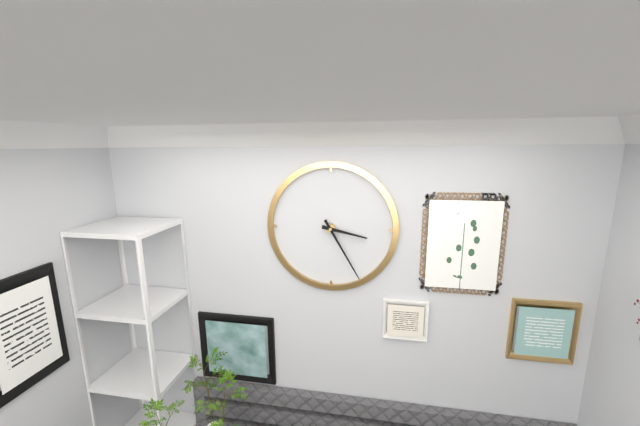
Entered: **3:25**
